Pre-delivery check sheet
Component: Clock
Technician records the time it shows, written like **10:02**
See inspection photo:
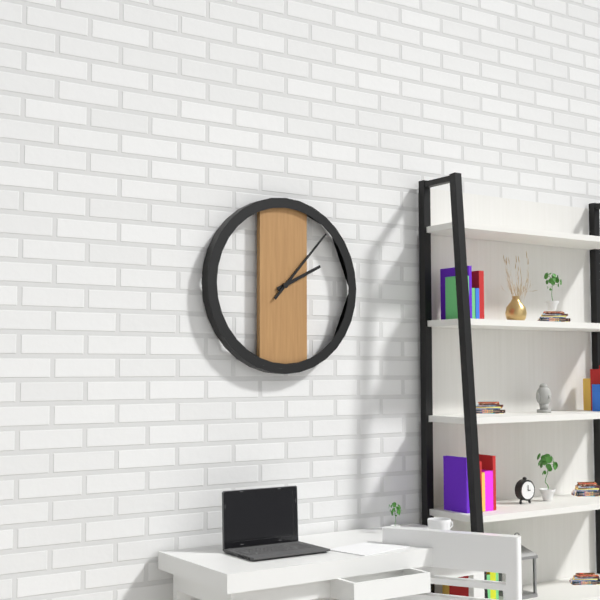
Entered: **2:07**
